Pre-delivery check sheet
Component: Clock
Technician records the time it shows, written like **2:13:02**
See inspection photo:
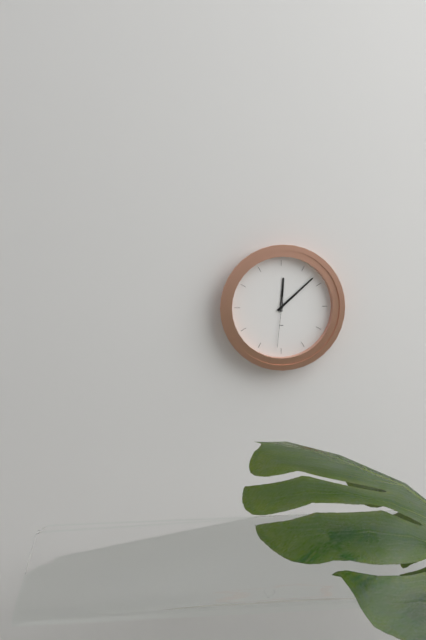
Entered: **12:08:31**
